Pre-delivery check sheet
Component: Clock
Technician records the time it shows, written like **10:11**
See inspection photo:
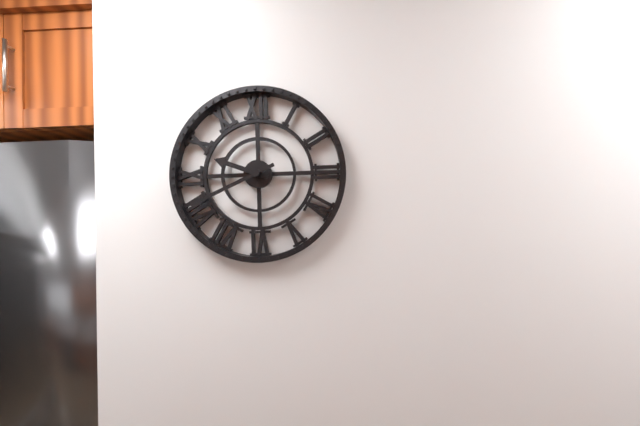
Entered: **9:41**
